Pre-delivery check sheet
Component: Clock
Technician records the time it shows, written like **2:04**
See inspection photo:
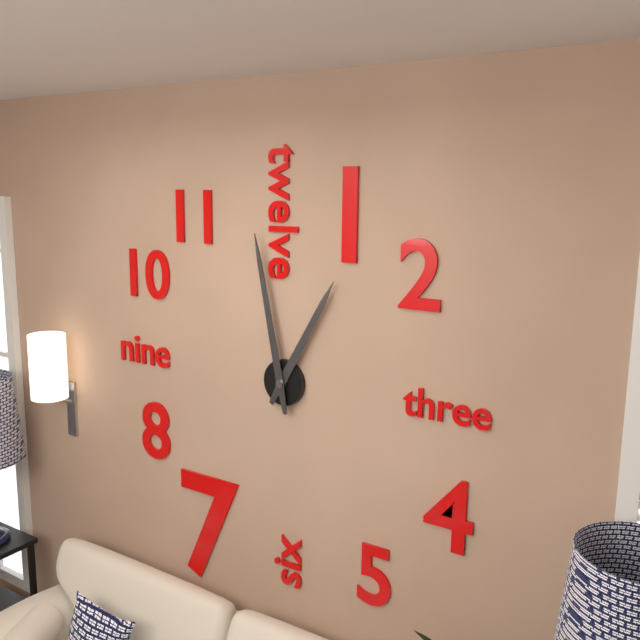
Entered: **12:58**
